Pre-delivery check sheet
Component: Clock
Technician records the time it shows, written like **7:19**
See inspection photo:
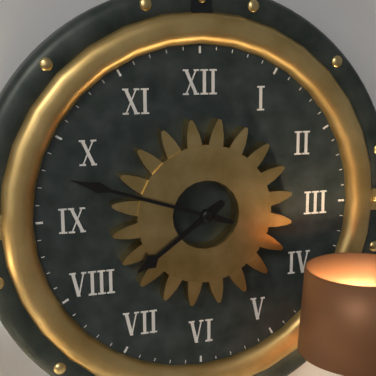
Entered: **7:48**
